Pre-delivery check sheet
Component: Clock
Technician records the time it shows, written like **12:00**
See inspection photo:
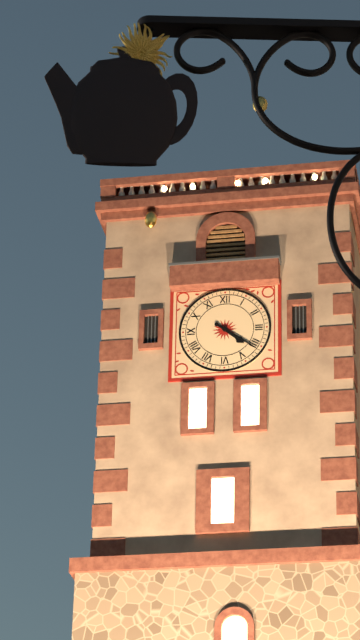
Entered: **4:21**
